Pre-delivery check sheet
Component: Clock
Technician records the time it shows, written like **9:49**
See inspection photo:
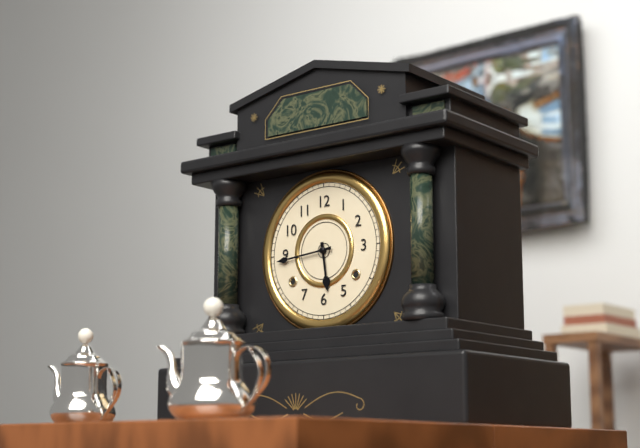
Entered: **5:44**
